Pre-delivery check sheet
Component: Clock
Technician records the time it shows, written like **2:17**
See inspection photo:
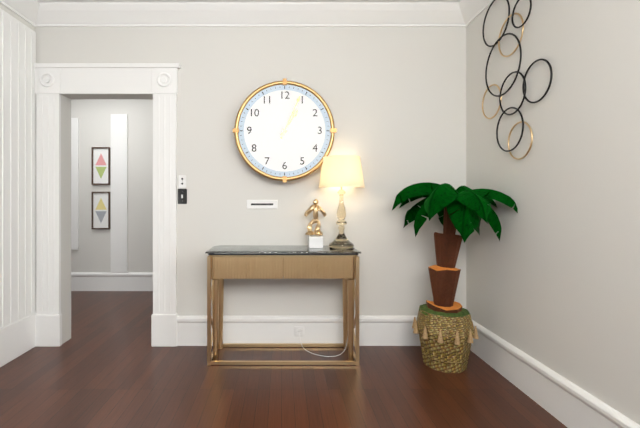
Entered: **1:04**
